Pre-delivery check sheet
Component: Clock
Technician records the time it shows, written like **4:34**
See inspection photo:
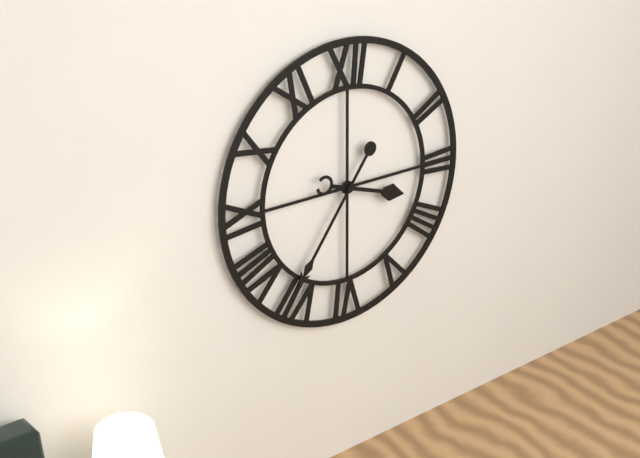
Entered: **3:36**
